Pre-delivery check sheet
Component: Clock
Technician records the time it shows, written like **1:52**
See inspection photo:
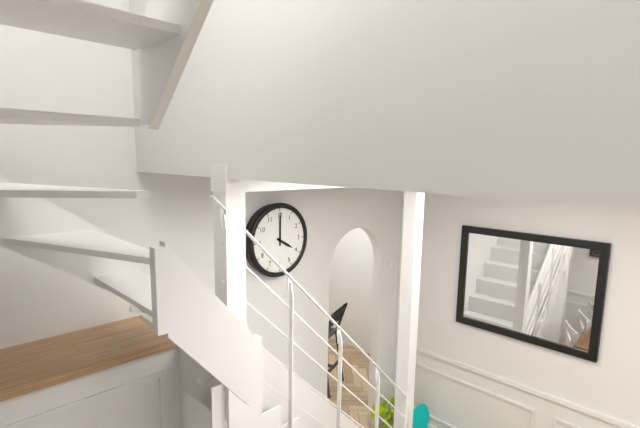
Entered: **4:00**
